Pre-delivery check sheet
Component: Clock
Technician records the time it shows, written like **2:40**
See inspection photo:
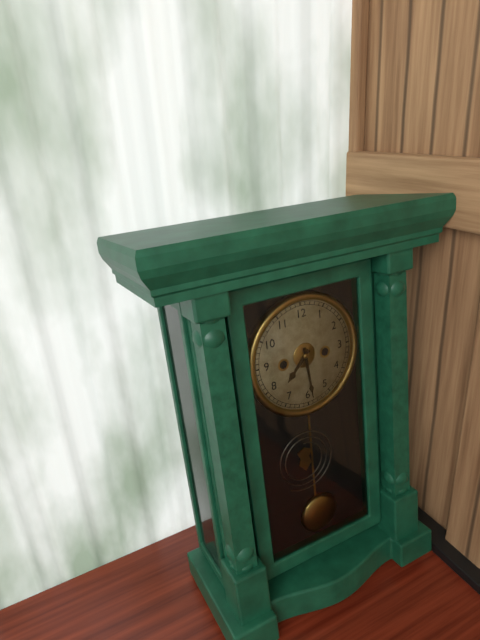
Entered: **7:29**
